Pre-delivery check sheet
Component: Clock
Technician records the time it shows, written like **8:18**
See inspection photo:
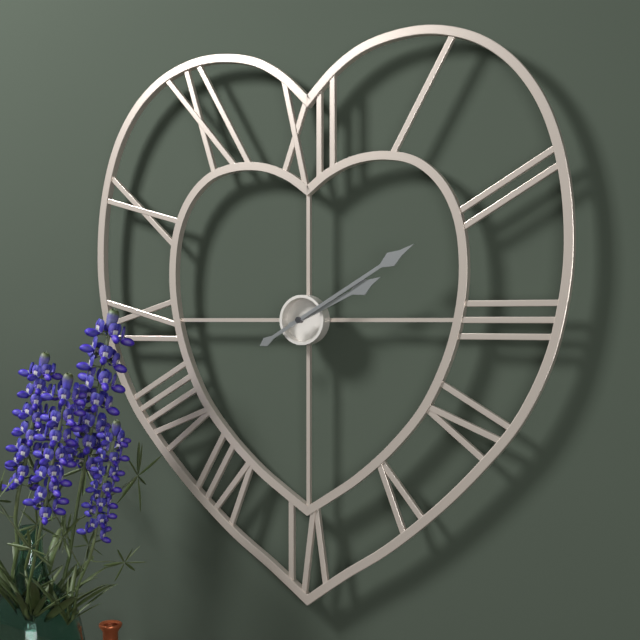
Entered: **2:10**
